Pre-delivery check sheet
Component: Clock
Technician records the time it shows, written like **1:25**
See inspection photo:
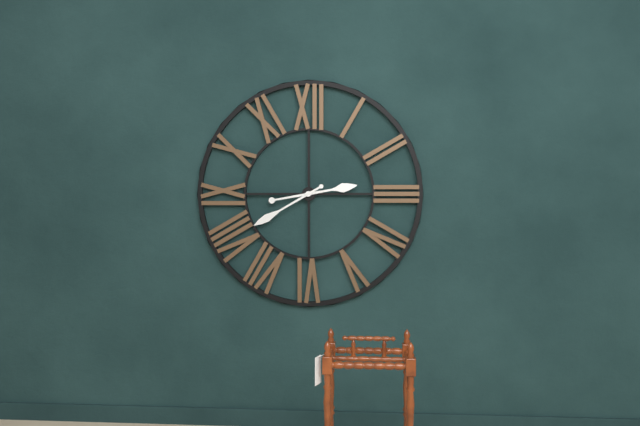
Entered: **2:40**
